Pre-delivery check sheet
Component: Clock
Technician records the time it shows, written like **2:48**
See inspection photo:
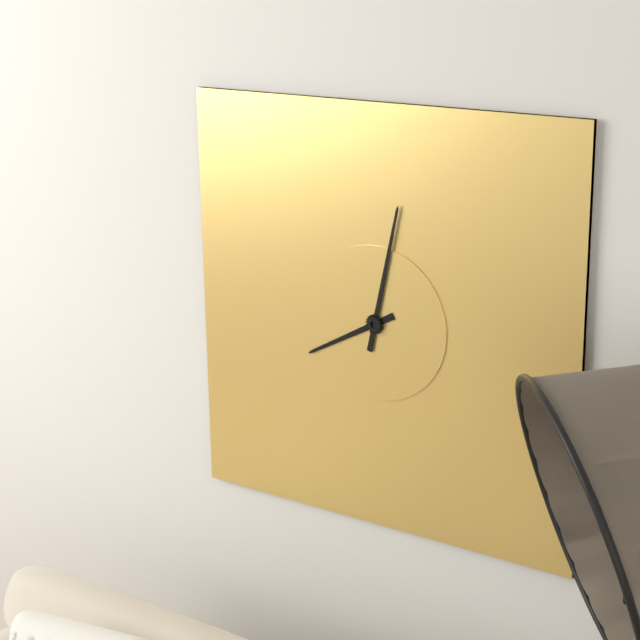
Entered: **8:02**
